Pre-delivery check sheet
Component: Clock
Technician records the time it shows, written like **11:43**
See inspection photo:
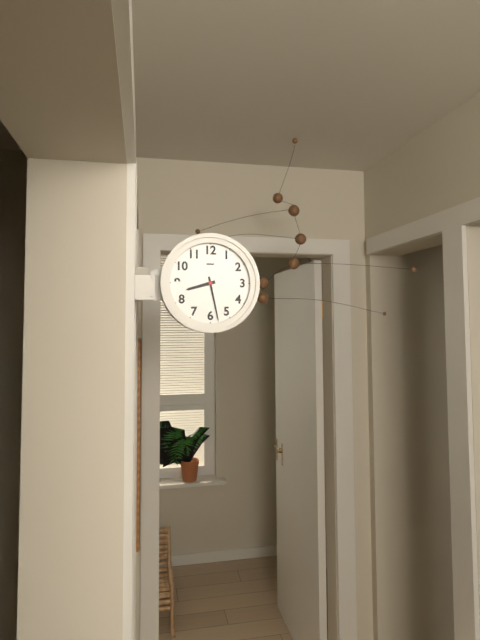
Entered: **8:28**
